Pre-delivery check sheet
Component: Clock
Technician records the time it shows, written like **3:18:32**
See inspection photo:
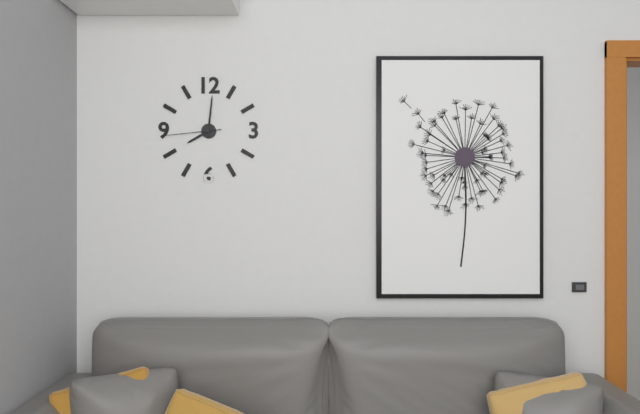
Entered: **8:01:44**
